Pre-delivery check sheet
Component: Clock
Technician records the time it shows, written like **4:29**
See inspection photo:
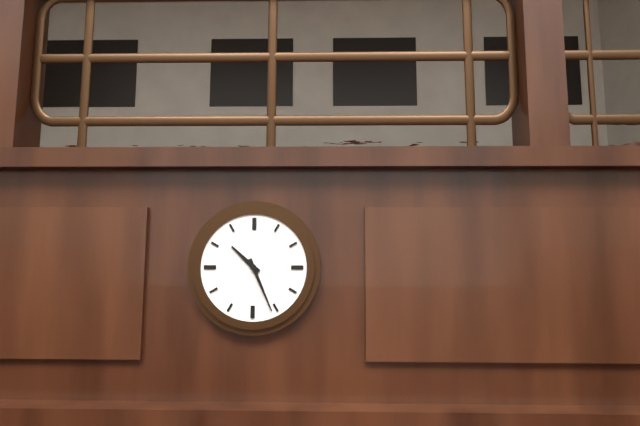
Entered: **10:26**
